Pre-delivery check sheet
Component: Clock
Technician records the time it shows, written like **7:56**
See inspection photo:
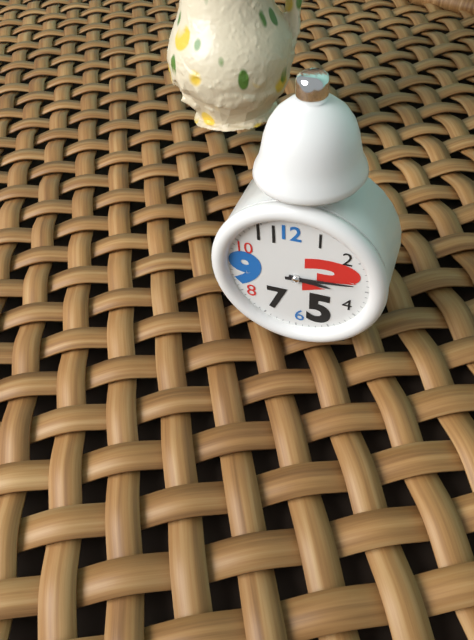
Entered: **3:14**
